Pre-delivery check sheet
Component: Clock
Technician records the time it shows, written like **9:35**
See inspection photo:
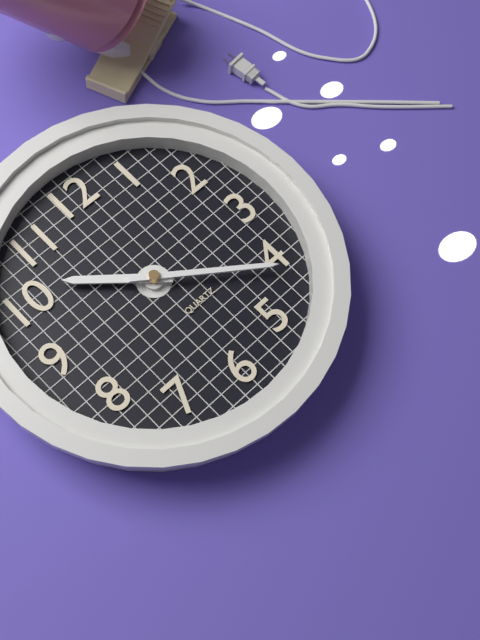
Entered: **10:21**
